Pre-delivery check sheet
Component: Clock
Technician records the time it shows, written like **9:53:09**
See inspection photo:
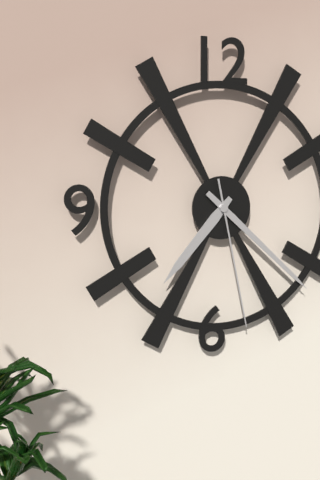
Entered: **7:22:28**
